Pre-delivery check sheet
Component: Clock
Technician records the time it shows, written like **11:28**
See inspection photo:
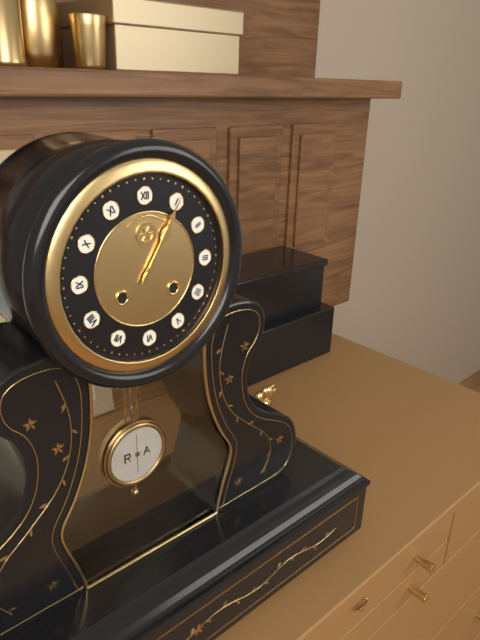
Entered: **1:05**
